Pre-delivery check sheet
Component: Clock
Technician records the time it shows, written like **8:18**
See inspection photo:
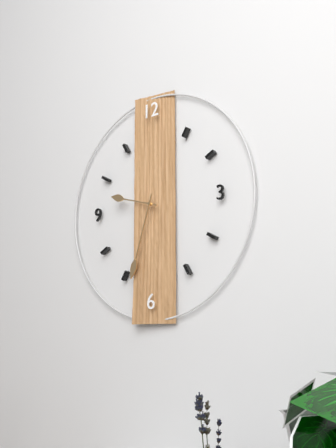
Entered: **9:33**
